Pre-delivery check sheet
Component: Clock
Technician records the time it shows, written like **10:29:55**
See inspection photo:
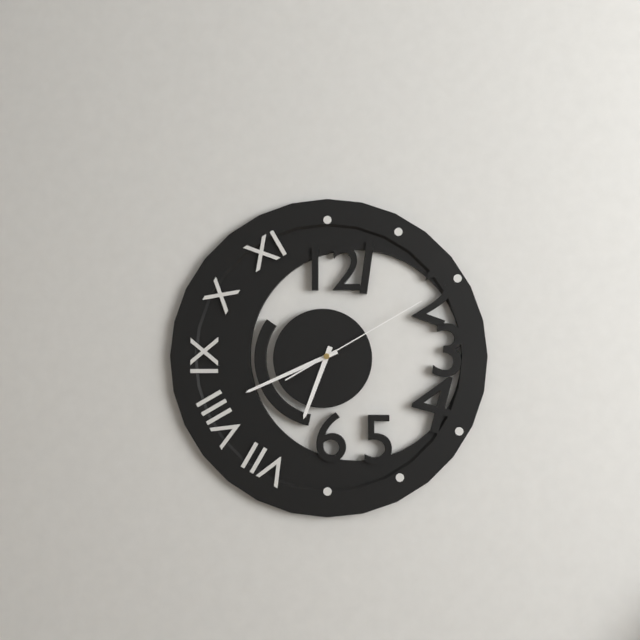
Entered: **6:41:10**
